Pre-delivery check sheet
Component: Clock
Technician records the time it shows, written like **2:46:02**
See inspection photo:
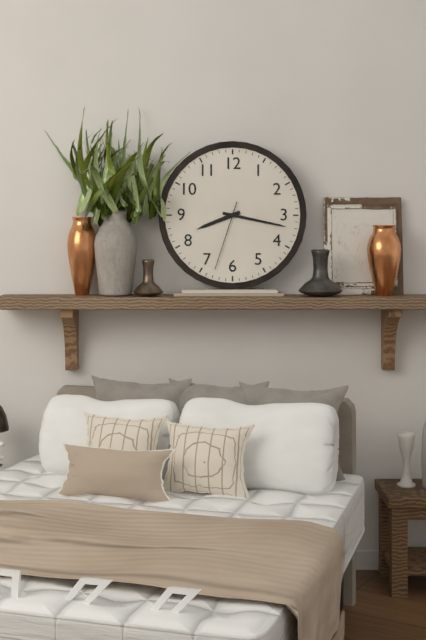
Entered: **8:17:33**
